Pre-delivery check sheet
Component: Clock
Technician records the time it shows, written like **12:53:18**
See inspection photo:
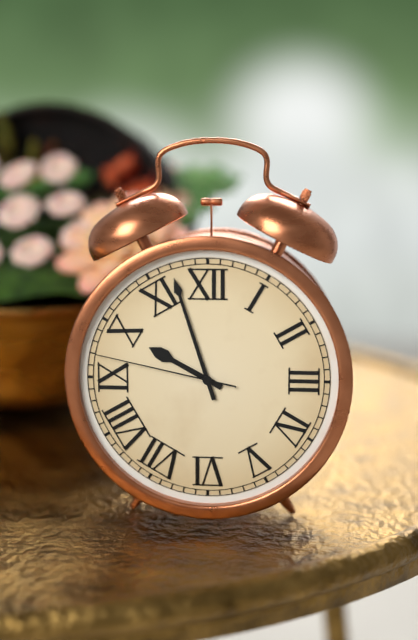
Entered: **9:57:47**
